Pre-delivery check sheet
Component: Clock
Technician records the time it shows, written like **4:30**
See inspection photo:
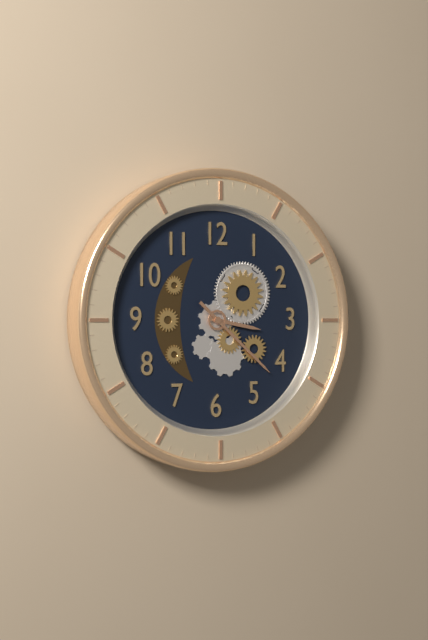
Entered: **3:22**
